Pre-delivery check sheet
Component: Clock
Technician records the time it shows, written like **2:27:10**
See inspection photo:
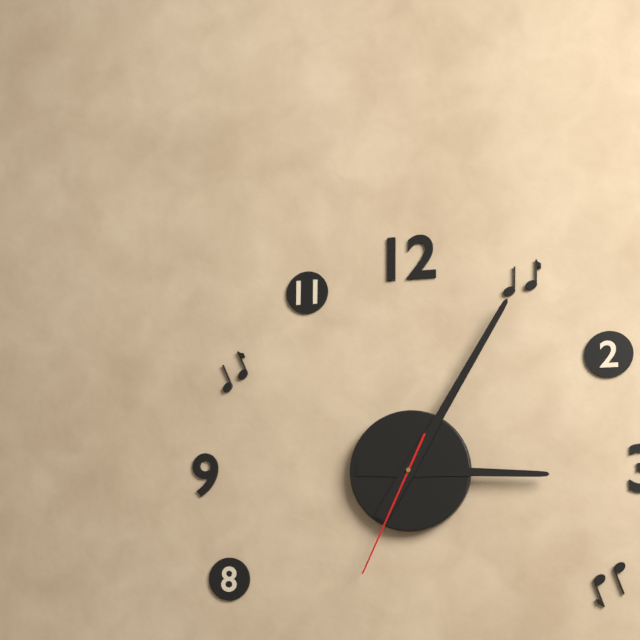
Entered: **3:05:34**
